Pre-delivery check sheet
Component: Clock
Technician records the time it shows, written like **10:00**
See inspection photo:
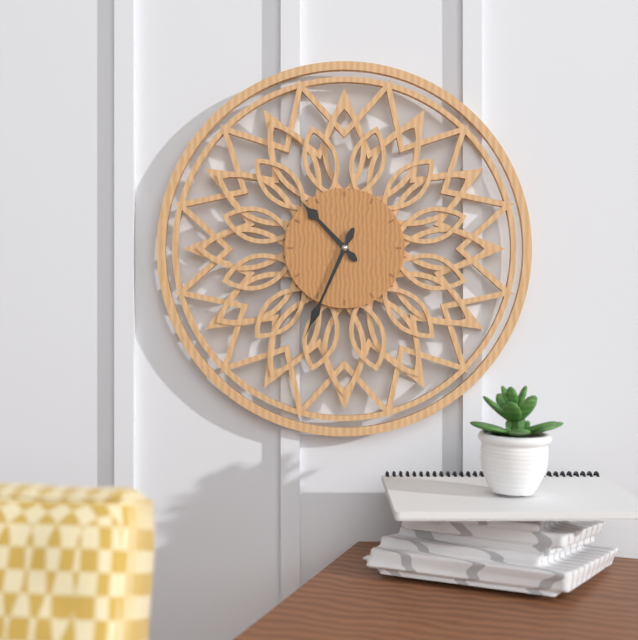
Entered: **10:34**
